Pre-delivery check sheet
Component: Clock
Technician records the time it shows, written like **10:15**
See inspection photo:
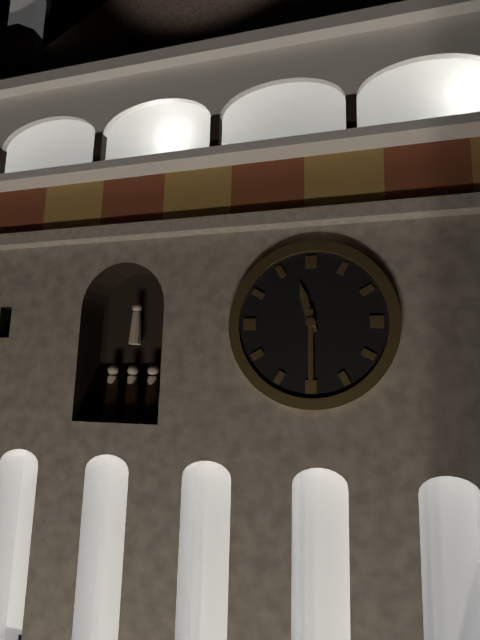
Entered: **11:30**
